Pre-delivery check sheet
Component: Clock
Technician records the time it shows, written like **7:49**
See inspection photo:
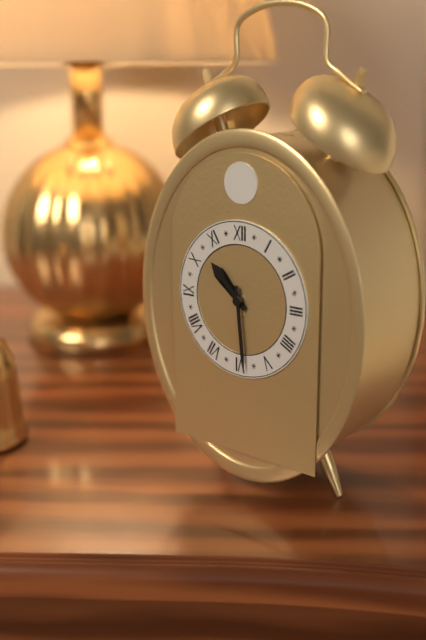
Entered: **10:29**
